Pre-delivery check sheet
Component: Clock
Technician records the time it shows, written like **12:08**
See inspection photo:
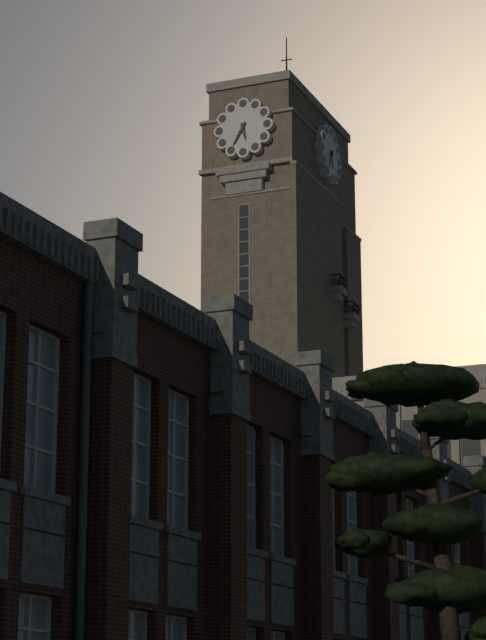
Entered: **5:35**
